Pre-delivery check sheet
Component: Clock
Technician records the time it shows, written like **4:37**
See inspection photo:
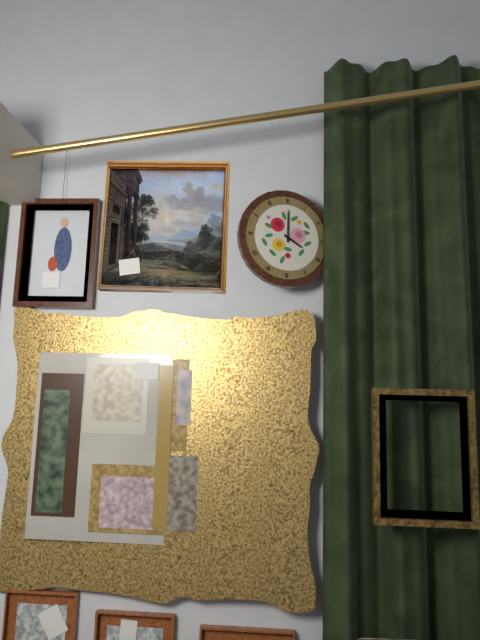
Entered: **4:00**
